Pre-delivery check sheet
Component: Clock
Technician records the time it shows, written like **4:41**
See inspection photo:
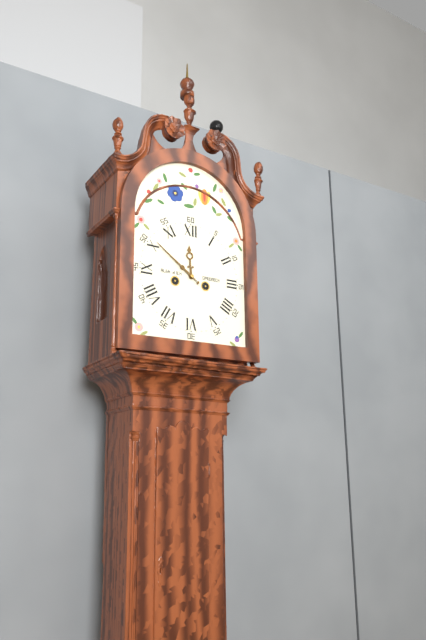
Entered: **11:51**
